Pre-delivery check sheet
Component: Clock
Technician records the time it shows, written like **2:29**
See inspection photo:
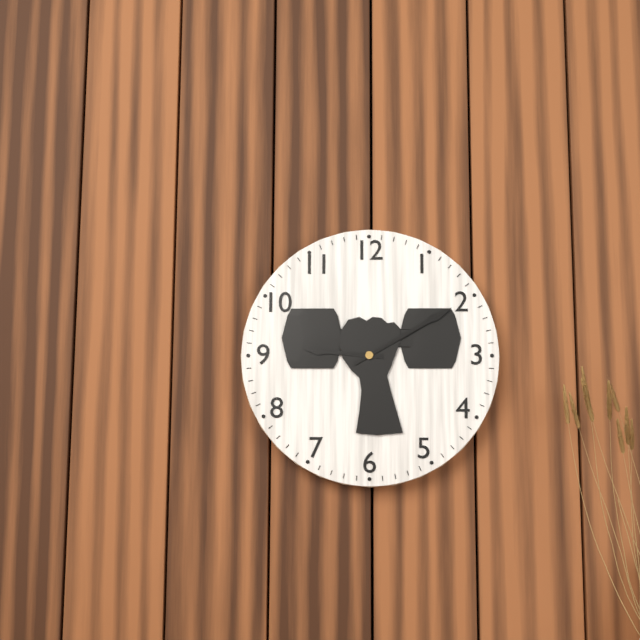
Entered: **9:10**
